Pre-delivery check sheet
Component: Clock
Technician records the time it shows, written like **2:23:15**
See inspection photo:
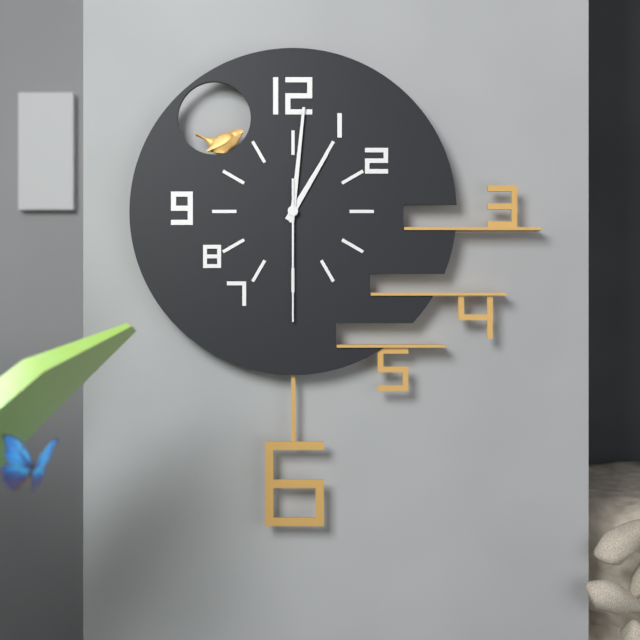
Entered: **1:01:30**
